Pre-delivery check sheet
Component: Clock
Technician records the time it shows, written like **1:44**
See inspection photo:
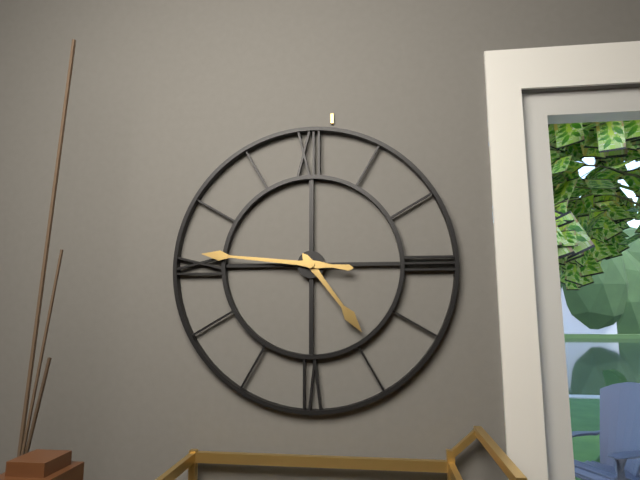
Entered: **4:46**
